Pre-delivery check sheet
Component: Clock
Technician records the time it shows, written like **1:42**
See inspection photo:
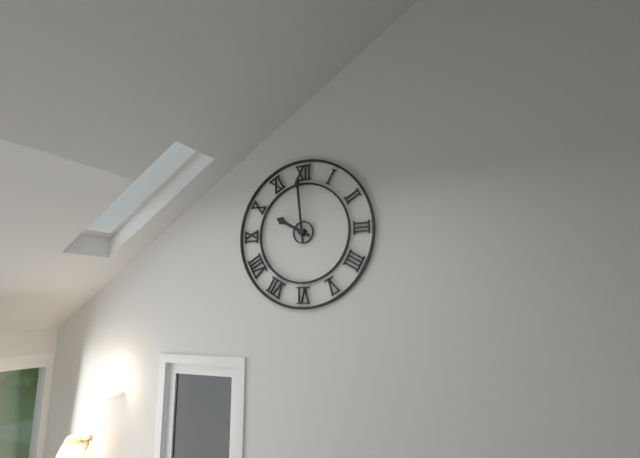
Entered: **9:59**
